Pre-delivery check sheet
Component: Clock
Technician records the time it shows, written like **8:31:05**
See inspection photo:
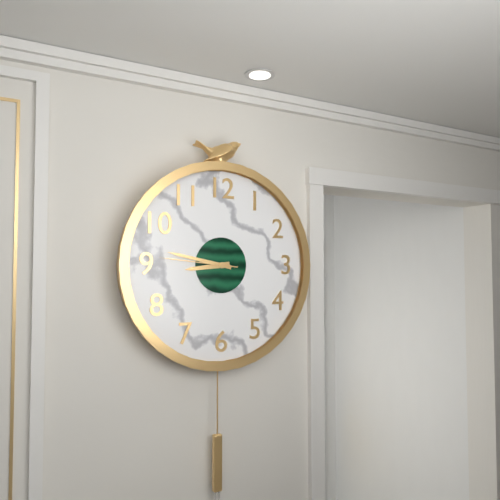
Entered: **8:47:46**
